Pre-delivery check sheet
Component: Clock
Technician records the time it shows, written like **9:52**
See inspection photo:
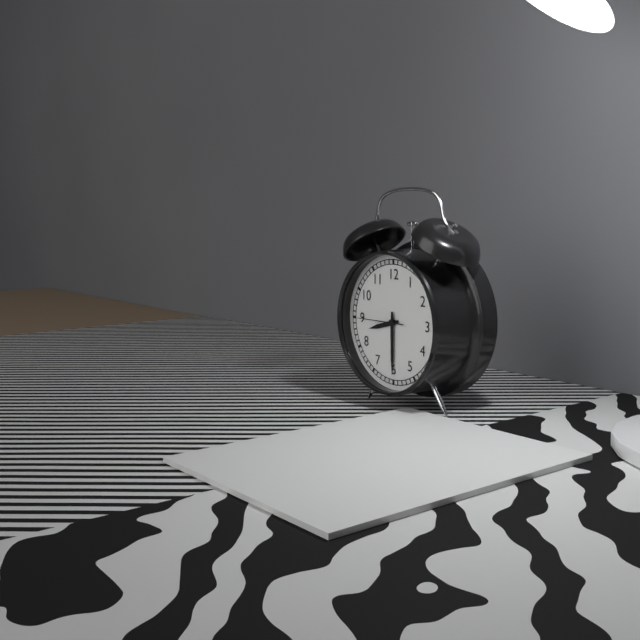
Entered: **8:30**
